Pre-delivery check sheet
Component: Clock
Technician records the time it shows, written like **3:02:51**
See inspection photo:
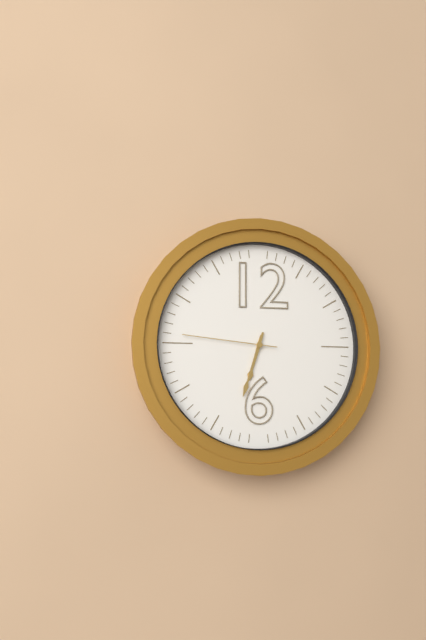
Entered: **6:33:46**
